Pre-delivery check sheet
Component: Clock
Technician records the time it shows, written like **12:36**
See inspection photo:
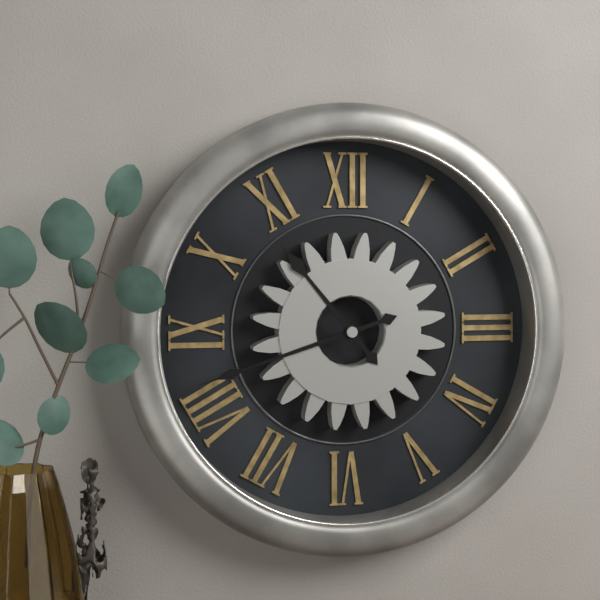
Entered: **10:42**
